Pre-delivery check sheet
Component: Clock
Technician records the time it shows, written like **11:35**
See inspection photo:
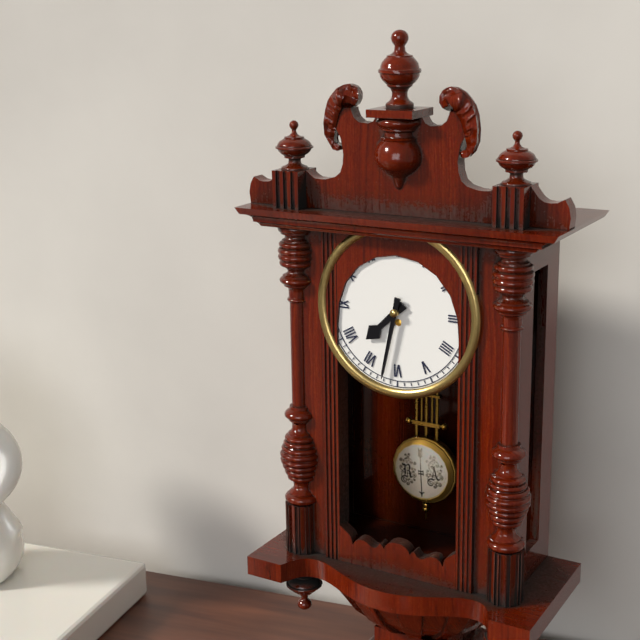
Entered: **7:32**
